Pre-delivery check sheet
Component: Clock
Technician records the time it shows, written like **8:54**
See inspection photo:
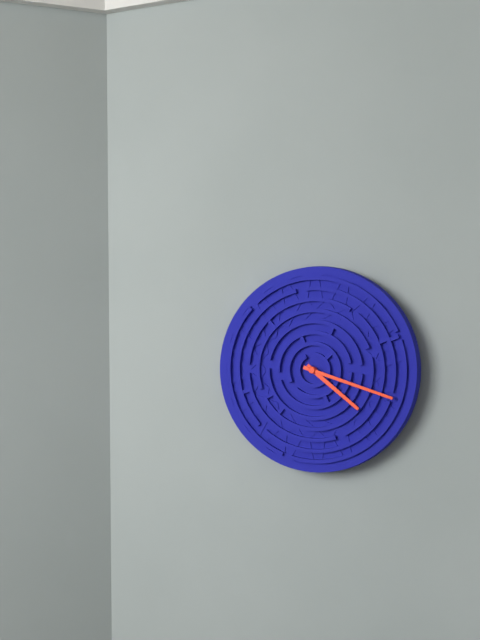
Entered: **4:18**
